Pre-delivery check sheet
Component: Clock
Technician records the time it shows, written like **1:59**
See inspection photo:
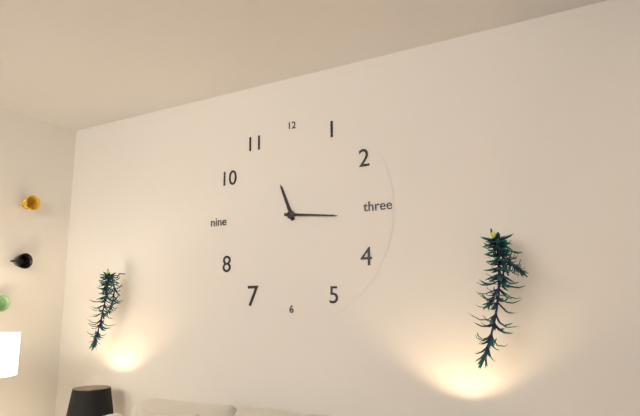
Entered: **11:16**
